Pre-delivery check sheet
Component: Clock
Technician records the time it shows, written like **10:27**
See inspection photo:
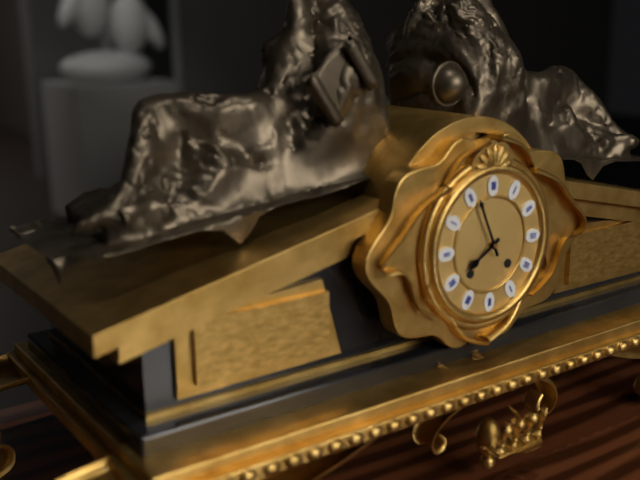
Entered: **7:56**
